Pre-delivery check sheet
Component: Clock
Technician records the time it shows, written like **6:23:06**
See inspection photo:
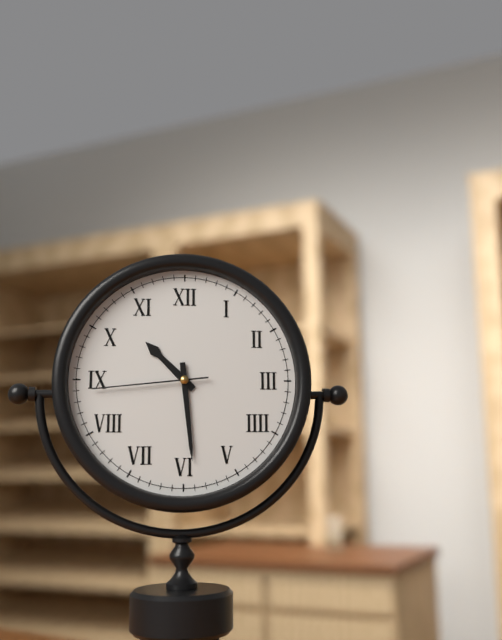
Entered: **10:29:44**
